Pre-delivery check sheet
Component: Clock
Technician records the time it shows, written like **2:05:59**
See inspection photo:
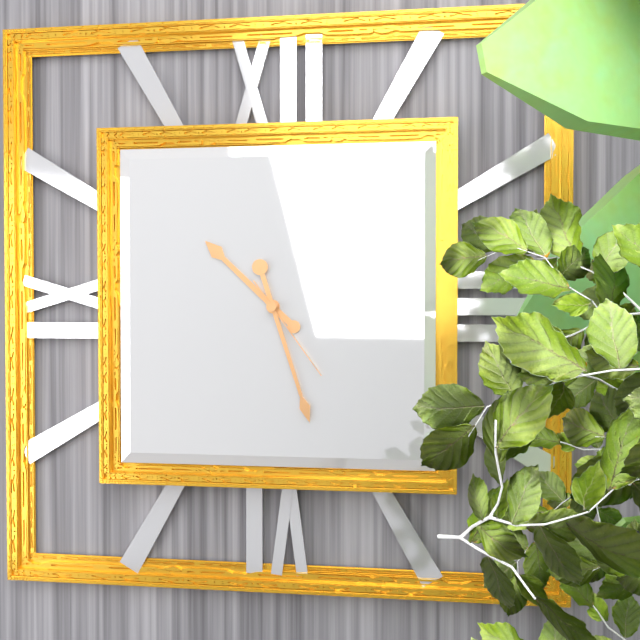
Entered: **10:27:24**
